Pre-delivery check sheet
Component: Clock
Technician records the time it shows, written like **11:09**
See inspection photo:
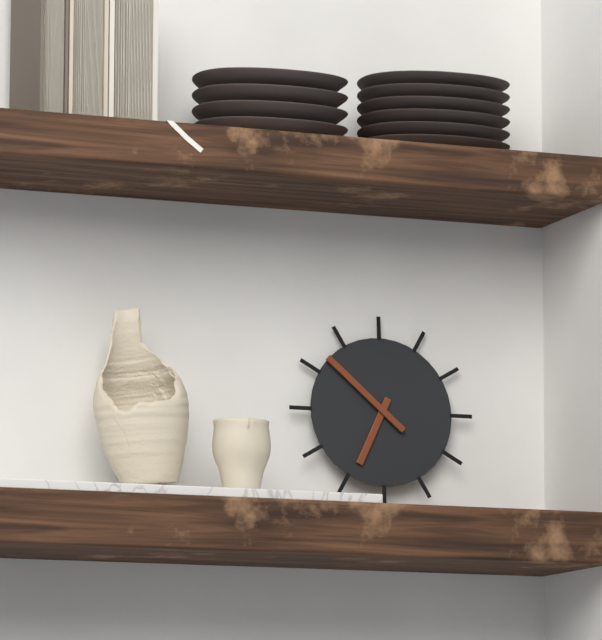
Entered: **6:52**
